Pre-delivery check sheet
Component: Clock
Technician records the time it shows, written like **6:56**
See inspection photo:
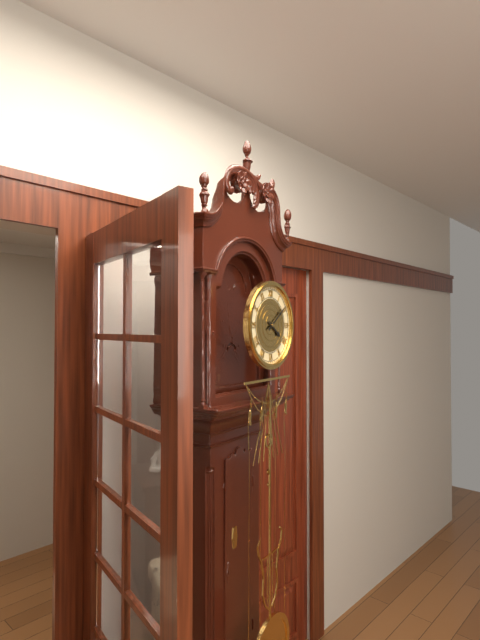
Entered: **4:09**
